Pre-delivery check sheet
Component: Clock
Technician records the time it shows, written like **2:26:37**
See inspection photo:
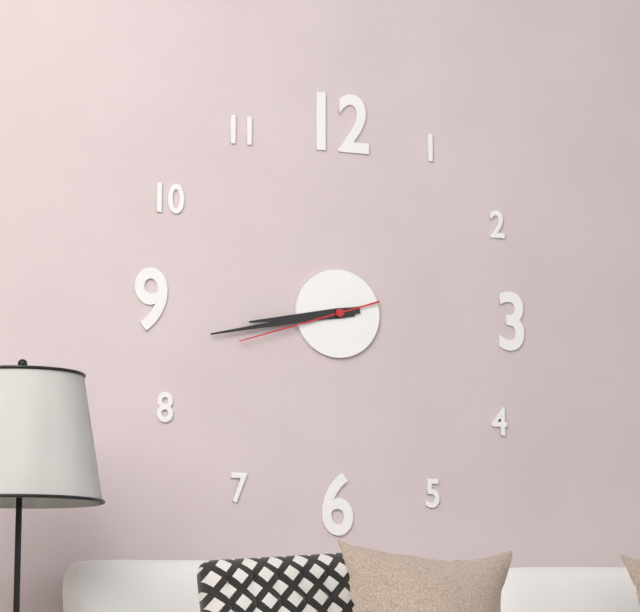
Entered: **8:43:42**
